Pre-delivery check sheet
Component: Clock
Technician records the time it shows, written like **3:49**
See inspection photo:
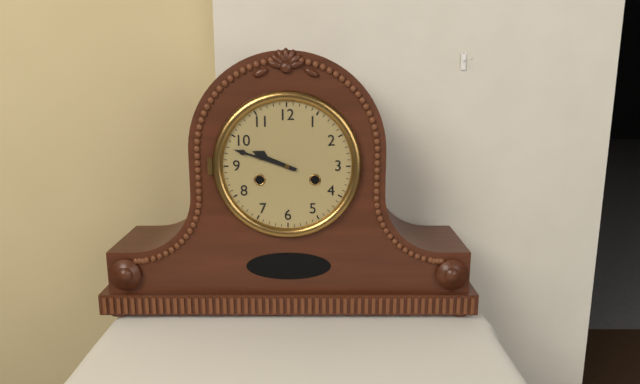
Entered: **9:48**
